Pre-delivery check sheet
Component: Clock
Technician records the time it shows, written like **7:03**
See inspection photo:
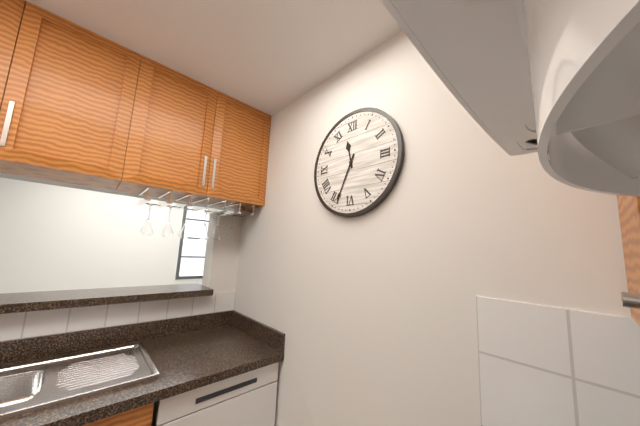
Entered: **11:34**
